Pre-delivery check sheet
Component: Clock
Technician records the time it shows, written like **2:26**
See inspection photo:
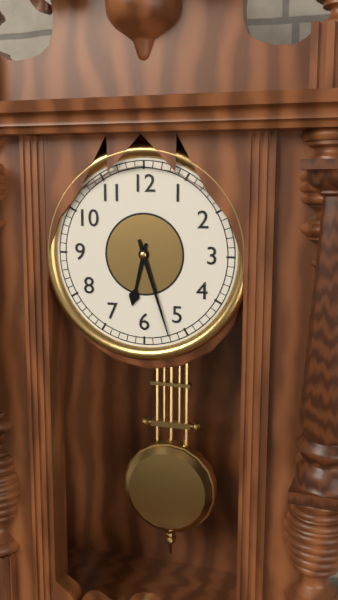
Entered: **6:27**
